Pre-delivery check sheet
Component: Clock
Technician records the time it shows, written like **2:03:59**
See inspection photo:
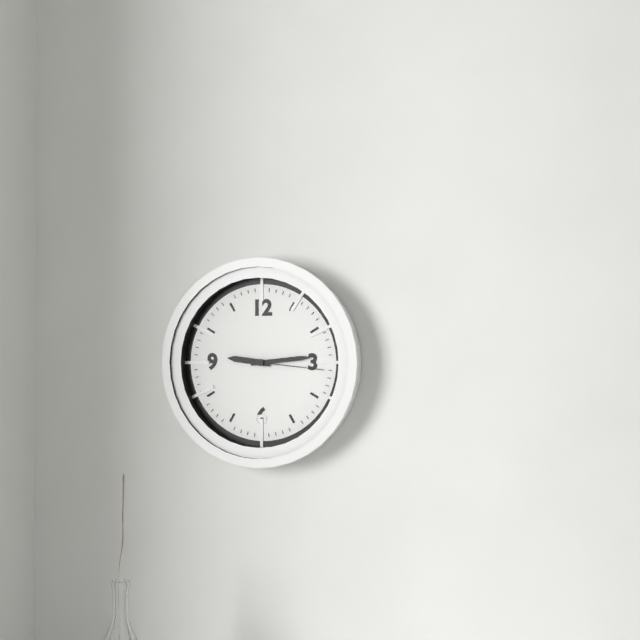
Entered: **9:14:16**
